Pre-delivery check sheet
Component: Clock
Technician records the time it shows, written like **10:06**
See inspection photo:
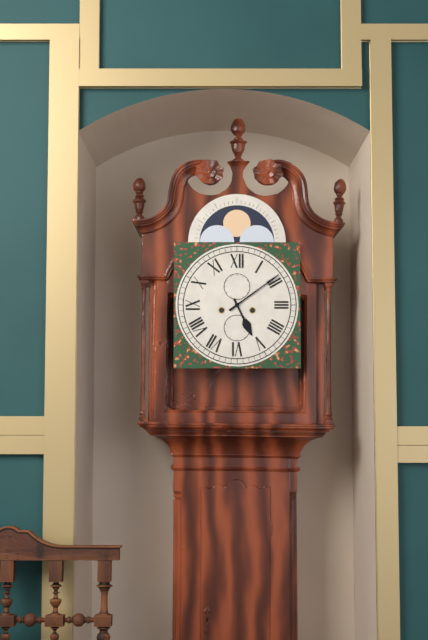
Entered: **5:09**
